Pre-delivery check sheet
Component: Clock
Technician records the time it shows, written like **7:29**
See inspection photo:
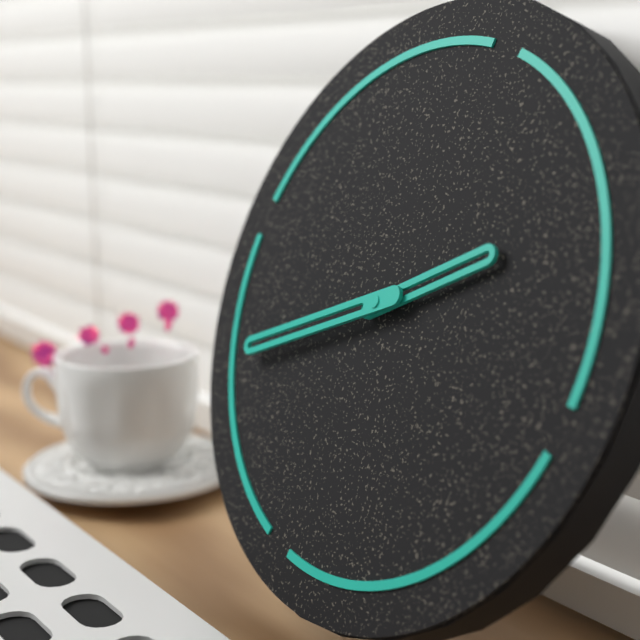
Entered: **1:39**
